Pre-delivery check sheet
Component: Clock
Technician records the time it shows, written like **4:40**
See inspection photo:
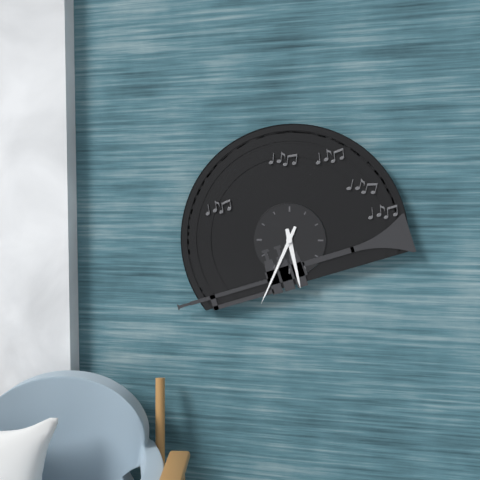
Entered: **5:34**
